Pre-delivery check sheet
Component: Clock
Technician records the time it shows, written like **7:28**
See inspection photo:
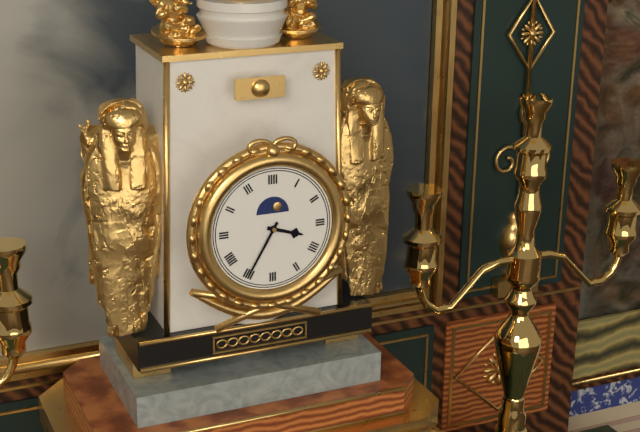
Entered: **3:35**
